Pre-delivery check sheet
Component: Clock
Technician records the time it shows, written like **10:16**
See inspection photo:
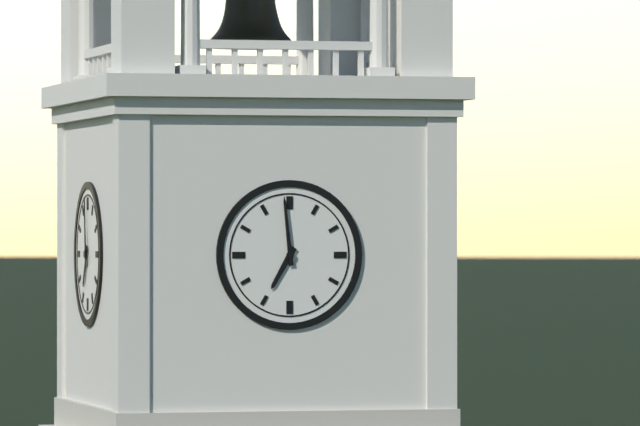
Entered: **6:59**
